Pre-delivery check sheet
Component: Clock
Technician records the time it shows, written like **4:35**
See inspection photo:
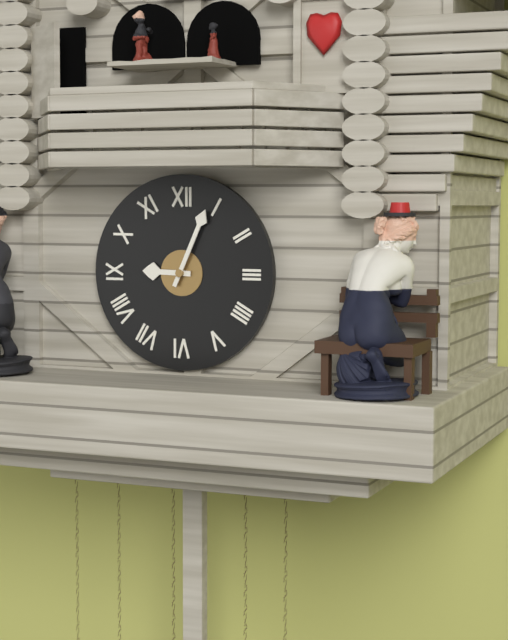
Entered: **9:04**
